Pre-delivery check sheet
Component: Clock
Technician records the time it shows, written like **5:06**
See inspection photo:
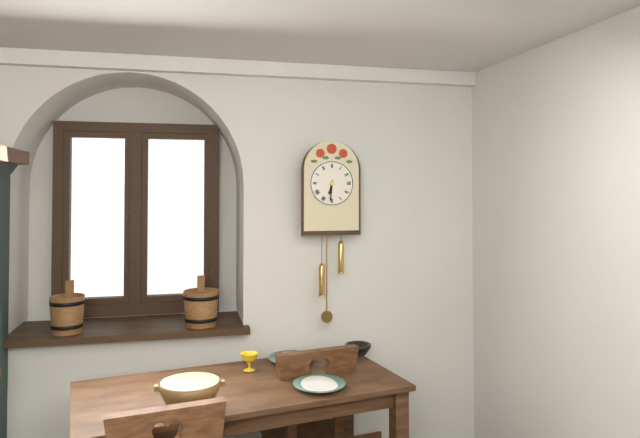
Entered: **6:31**
